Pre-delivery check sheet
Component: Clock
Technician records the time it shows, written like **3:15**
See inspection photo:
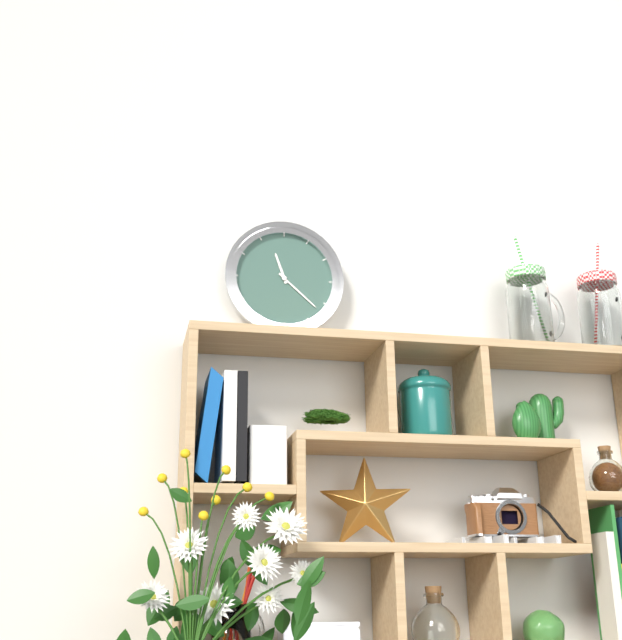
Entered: **11:22**
